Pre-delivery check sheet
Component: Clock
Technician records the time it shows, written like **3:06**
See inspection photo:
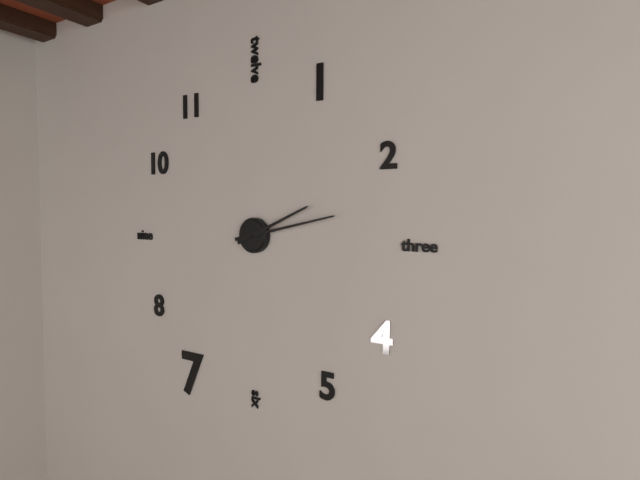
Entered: **2:13**
